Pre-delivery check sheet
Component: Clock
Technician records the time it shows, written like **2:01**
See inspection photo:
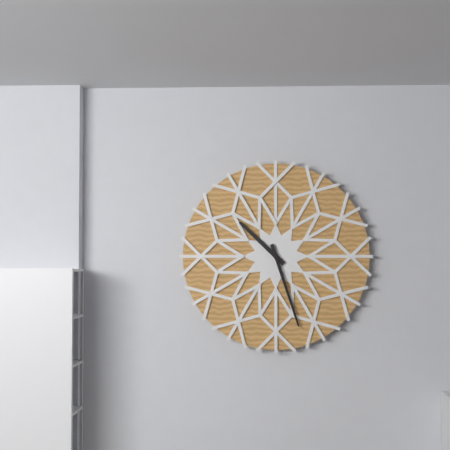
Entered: **10:27**
